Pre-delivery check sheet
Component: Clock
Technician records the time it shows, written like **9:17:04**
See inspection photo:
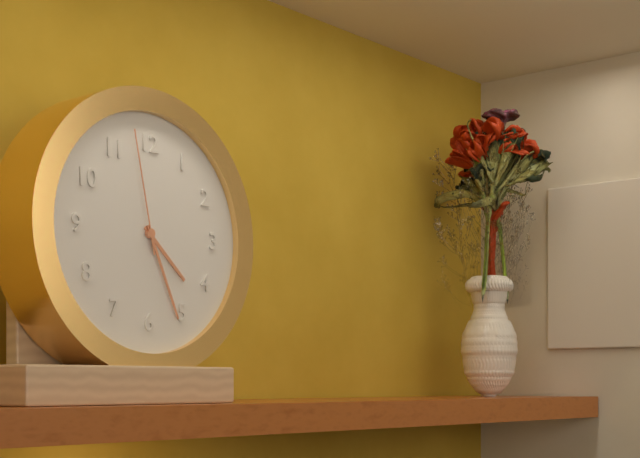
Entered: **4:26:58**
